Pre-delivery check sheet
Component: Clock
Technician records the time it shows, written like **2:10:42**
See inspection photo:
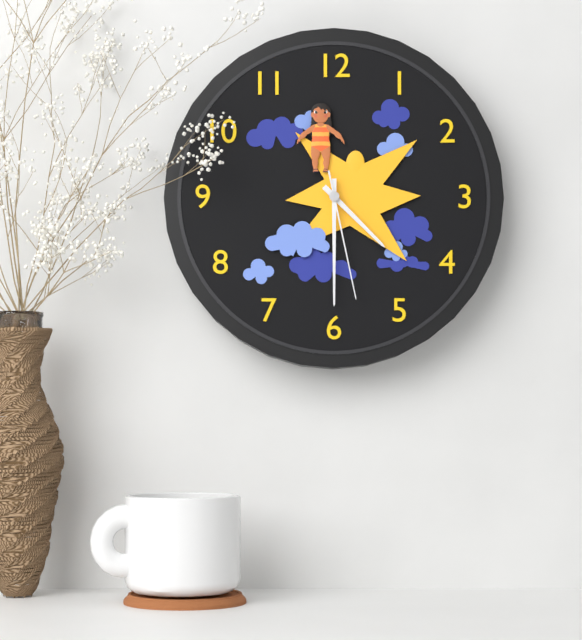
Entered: **4:30:28**
